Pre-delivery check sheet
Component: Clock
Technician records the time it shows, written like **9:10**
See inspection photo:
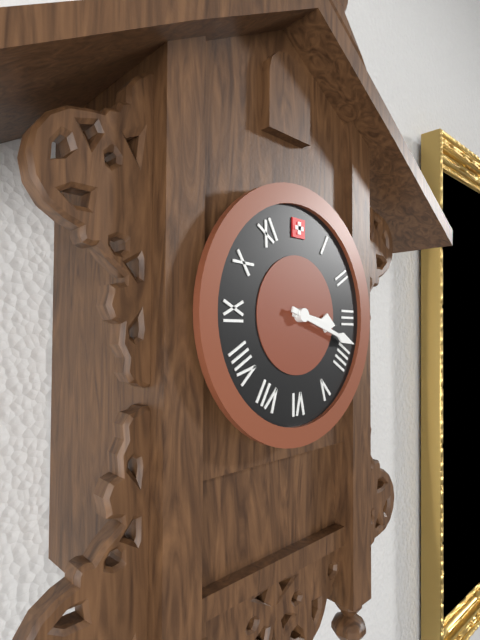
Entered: **3:18**
